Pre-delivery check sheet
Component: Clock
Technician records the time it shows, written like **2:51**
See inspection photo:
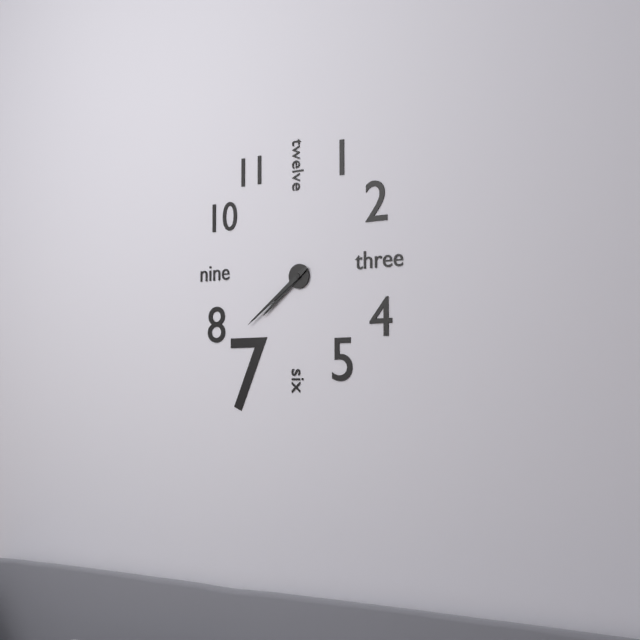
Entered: **7:39**
